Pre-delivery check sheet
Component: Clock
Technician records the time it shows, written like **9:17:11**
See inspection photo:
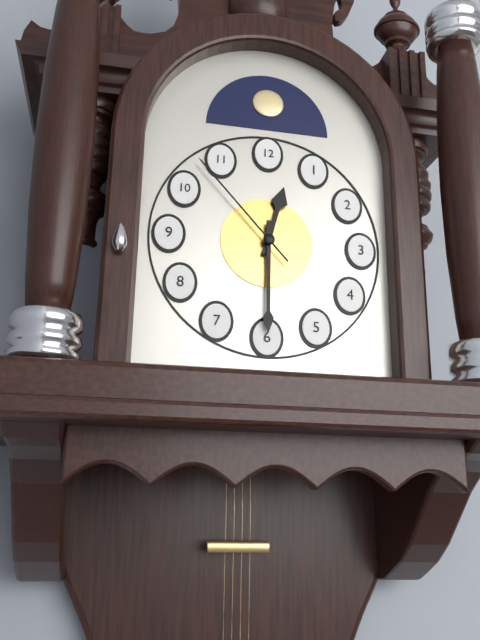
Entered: **12:30:53**
